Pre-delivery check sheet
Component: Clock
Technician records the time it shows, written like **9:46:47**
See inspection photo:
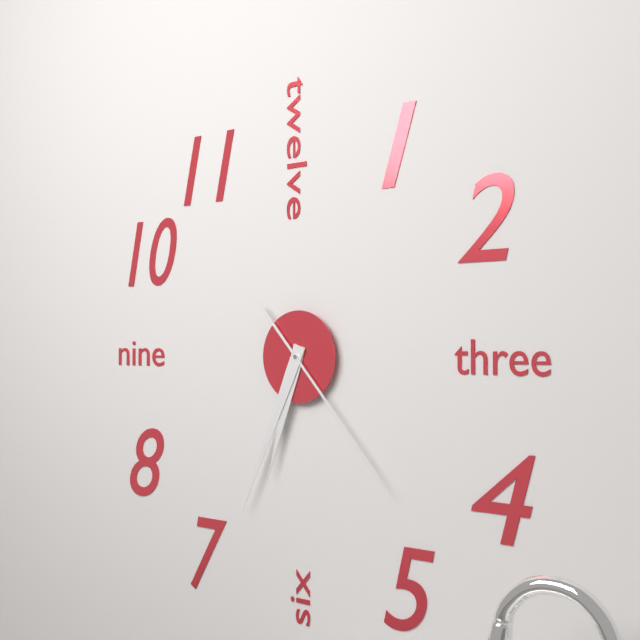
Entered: **6:34:23**
